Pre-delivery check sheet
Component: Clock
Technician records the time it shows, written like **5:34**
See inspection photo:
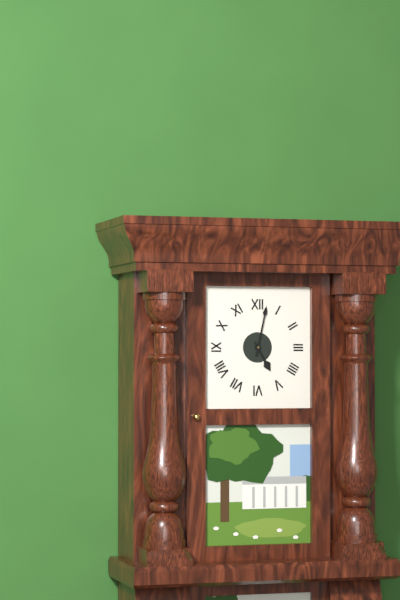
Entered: **5:02**
